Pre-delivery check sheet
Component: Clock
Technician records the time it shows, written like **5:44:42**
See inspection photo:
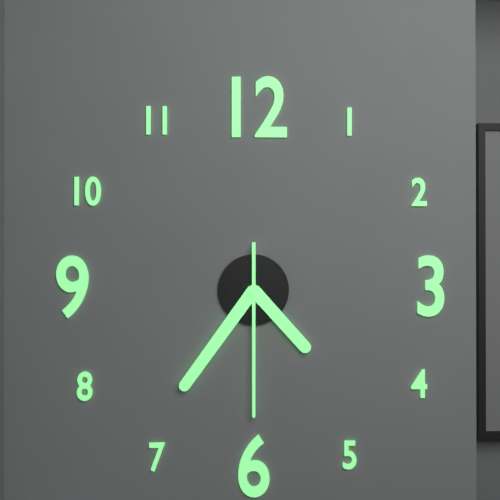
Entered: **4:36:30**
